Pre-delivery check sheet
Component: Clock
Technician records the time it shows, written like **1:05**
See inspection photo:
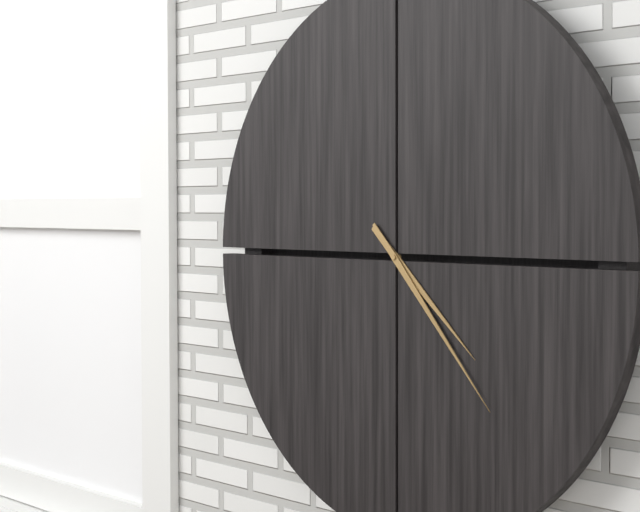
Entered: **4:23**
